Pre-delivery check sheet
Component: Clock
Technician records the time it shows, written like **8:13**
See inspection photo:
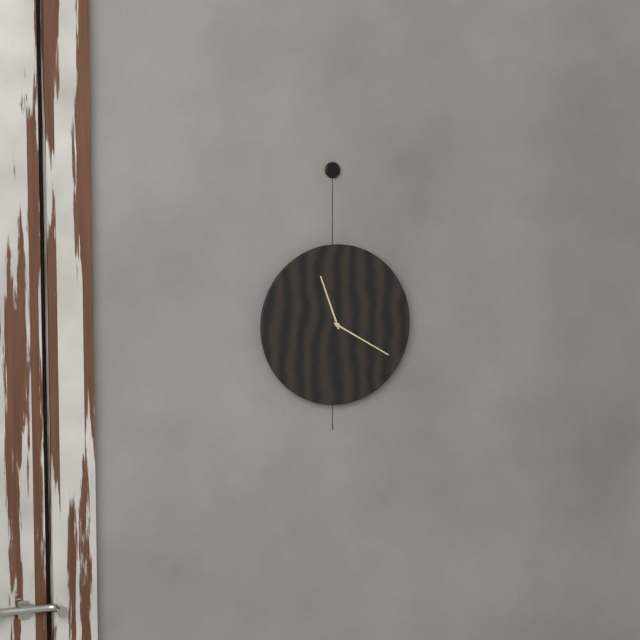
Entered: **11:20**
